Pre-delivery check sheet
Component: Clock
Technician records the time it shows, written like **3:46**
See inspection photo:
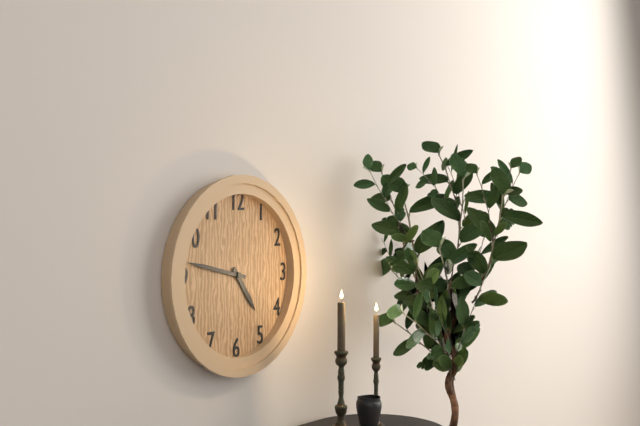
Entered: **4:47**
